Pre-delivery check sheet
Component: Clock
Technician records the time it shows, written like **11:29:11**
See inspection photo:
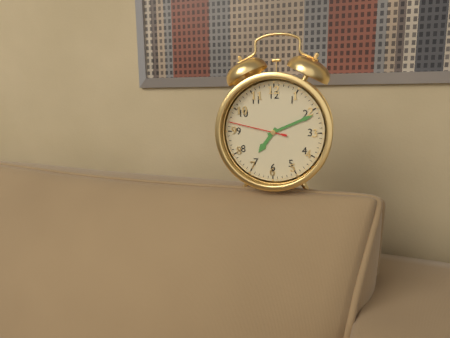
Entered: **7:11:47**
